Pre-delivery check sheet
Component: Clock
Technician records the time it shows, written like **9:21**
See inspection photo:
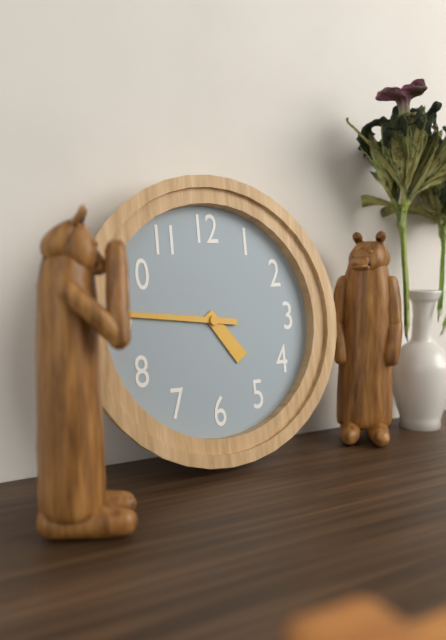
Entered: **4:46**
